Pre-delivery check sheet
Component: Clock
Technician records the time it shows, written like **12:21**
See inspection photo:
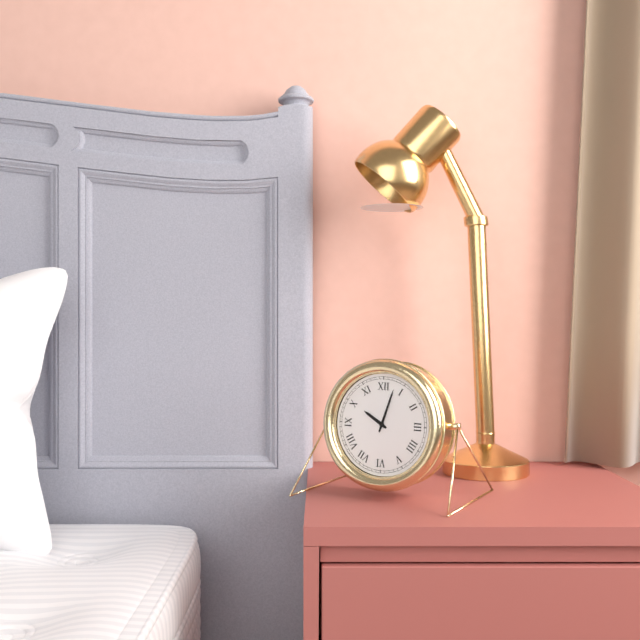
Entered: **10:03**
